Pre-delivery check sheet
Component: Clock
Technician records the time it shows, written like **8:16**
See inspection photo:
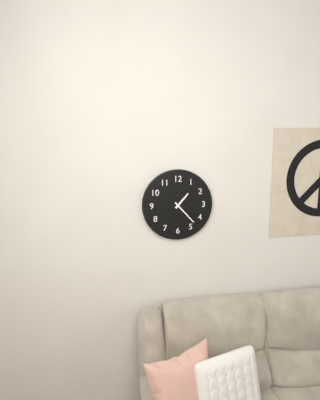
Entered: **1:23**
